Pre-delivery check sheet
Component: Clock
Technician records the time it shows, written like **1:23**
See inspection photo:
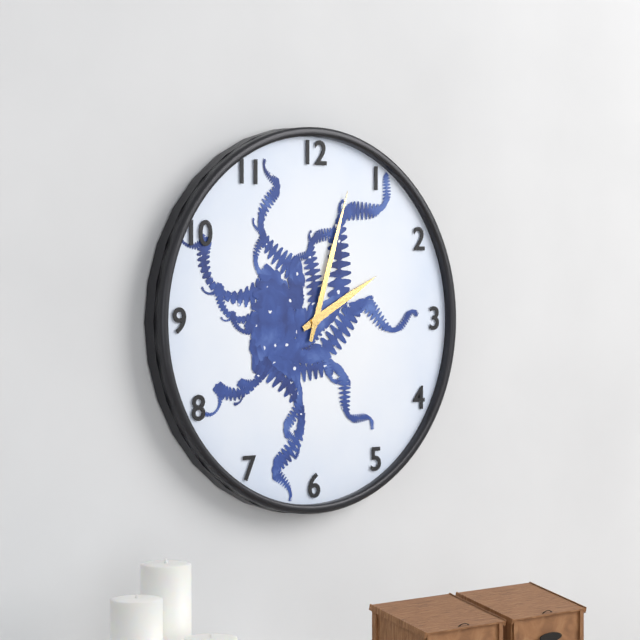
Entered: **2:03**
